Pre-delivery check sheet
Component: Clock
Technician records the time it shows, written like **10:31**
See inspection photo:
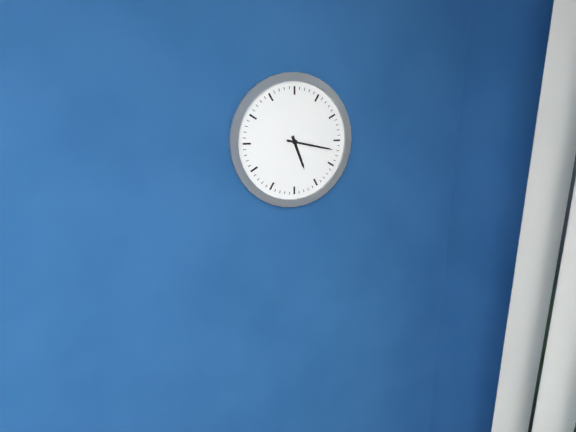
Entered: **5:17**
